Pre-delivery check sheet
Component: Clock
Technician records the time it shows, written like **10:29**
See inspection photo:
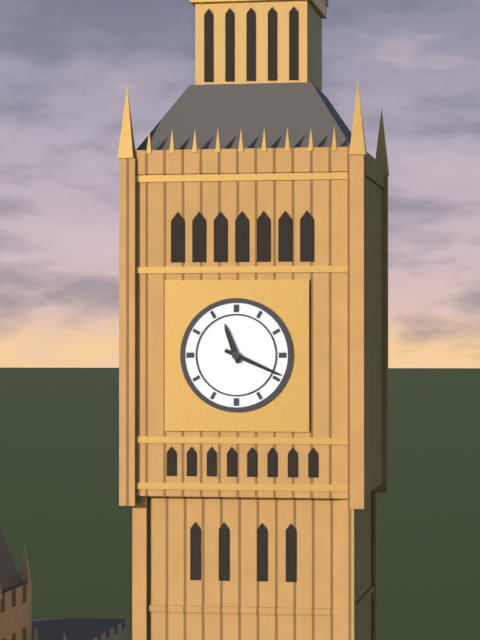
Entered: **11:19**
